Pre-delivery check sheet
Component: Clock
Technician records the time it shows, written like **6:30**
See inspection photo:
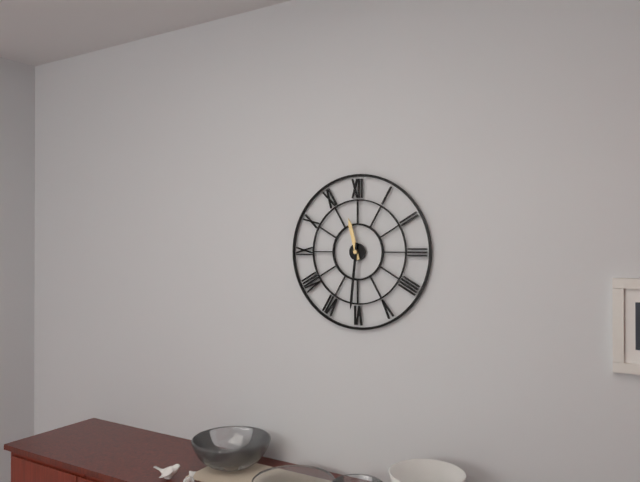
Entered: **11:31**
